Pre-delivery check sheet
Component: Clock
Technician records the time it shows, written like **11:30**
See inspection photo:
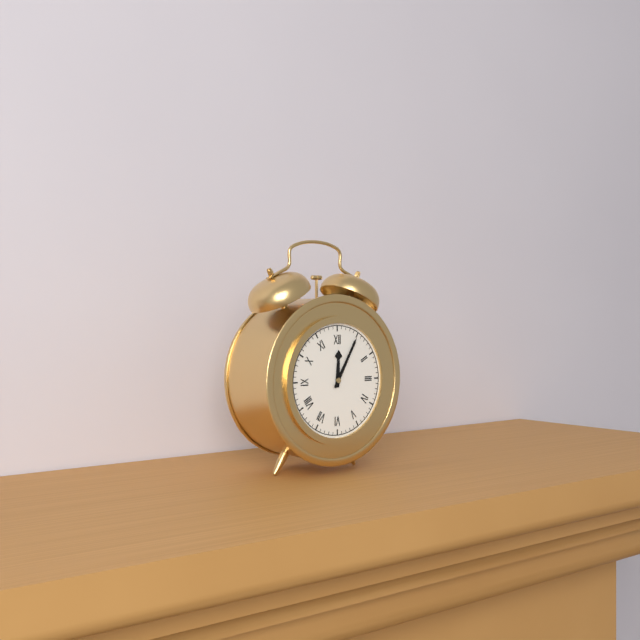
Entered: **12:05**
